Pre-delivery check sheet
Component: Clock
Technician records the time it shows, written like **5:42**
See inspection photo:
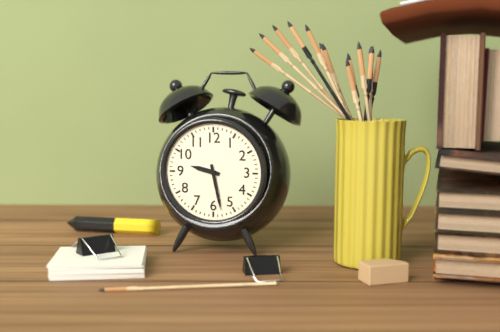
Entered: **9:28**
